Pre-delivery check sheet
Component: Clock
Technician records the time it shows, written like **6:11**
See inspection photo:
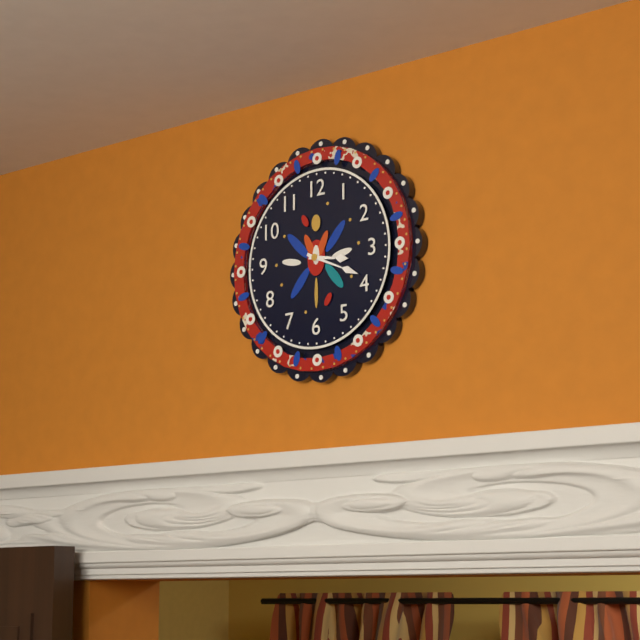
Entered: **3:19**
